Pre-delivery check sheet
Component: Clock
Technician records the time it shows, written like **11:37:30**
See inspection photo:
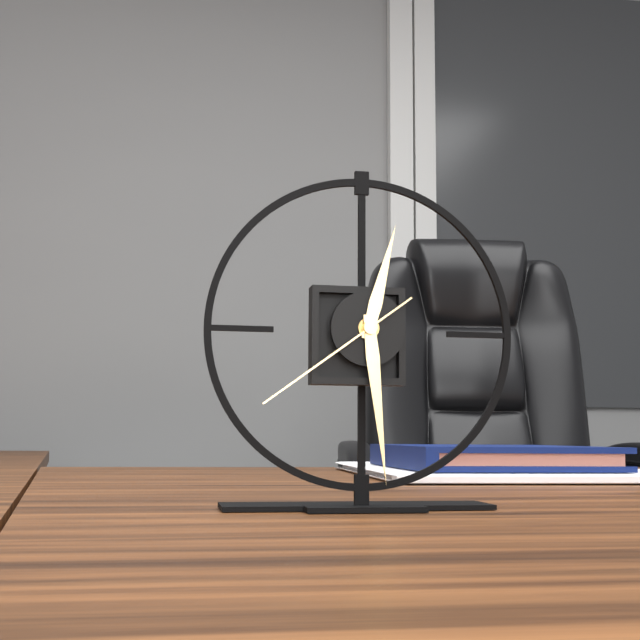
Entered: **12:29:39**
